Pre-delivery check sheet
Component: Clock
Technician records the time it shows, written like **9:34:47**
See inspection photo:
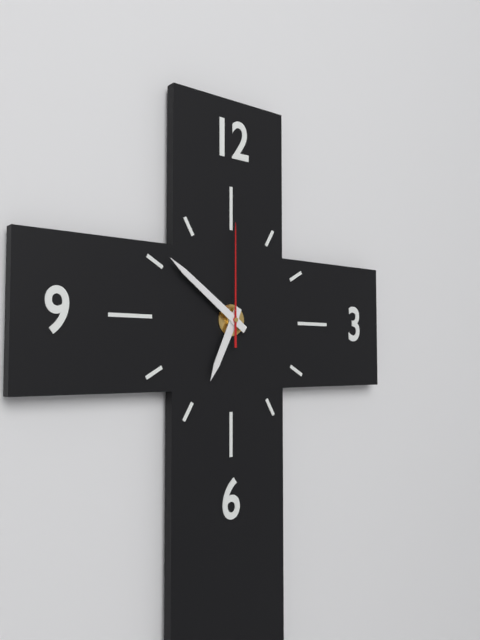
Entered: **6:51:00**
